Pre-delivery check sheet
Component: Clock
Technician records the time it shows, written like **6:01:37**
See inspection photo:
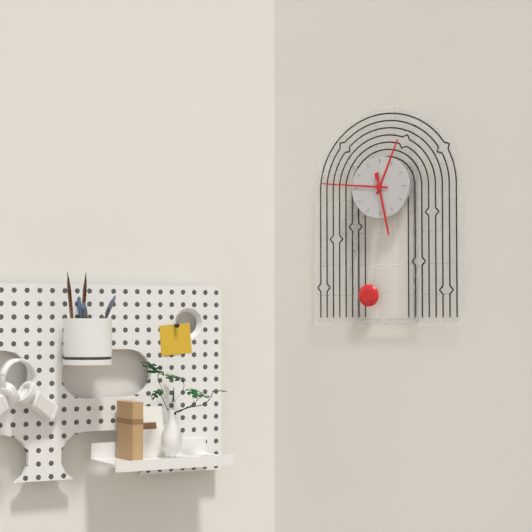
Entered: **12:46:28**
